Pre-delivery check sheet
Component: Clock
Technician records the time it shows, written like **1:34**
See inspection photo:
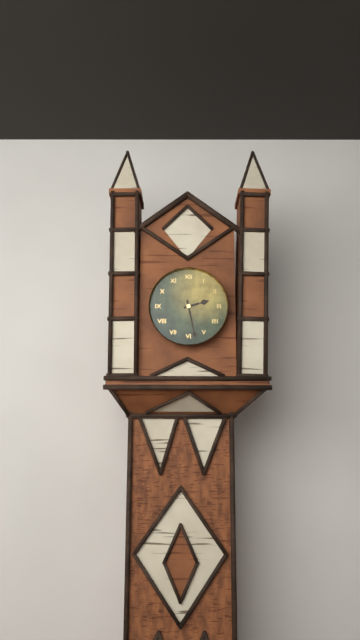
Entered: **2:28**
